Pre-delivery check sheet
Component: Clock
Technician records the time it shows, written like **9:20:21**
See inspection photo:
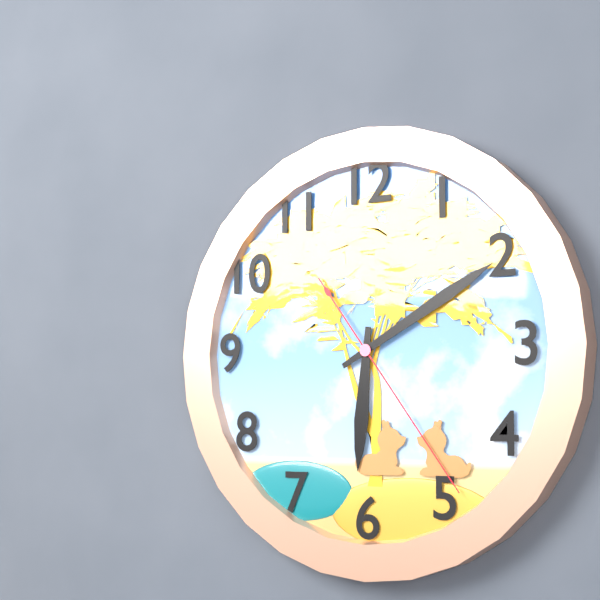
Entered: **6:10:24**
